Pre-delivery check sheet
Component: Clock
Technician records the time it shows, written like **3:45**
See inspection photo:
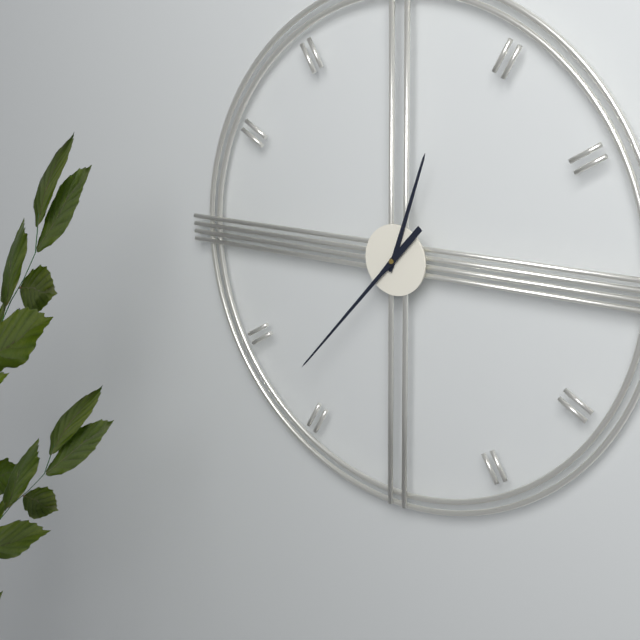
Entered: **12:37**
